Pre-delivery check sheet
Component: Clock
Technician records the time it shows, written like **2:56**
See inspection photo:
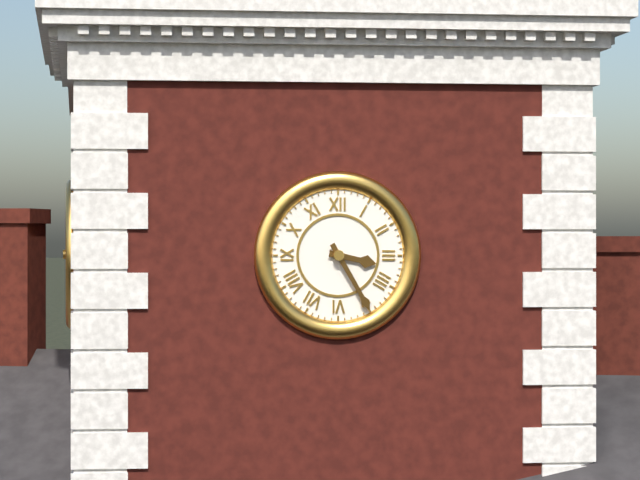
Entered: **3:25**
